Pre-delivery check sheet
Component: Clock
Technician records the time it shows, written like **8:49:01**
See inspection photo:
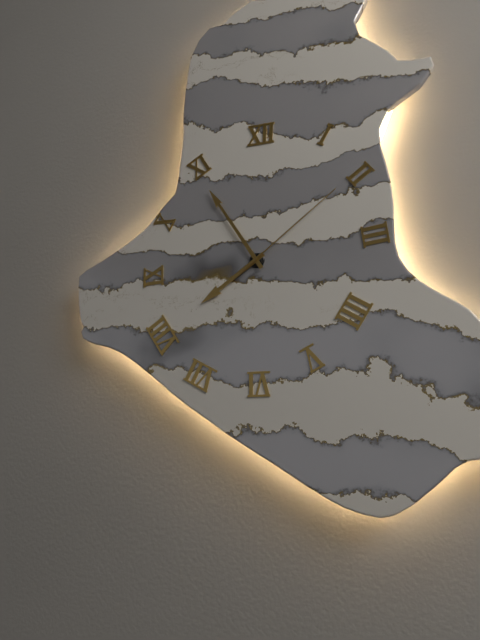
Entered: **7:55:09**
